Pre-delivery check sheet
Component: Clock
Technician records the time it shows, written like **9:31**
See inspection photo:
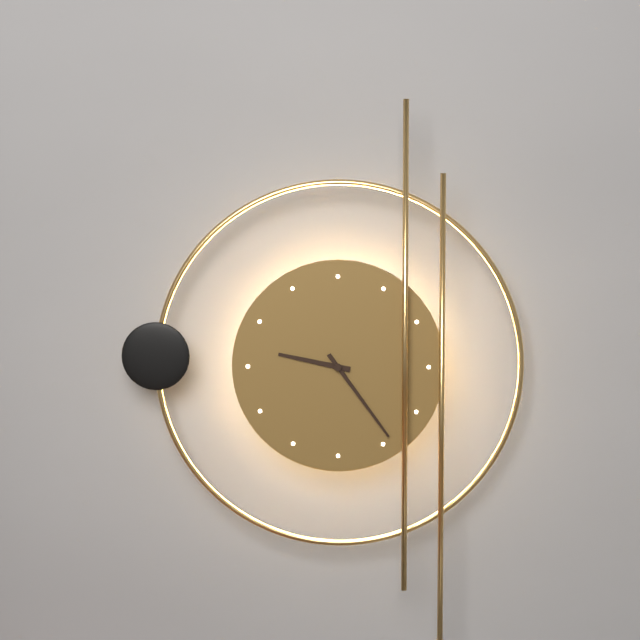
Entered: **9:24**
